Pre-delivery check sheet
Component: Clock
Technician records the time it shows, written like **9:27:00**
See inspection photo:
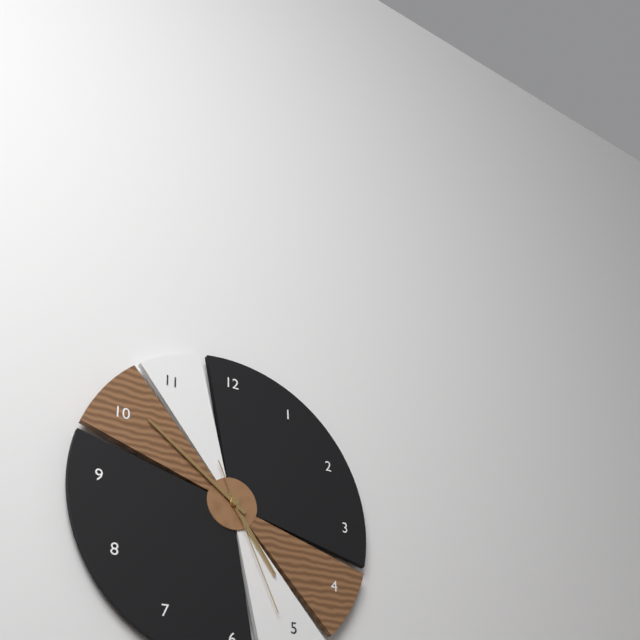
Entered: **4:51:26**
